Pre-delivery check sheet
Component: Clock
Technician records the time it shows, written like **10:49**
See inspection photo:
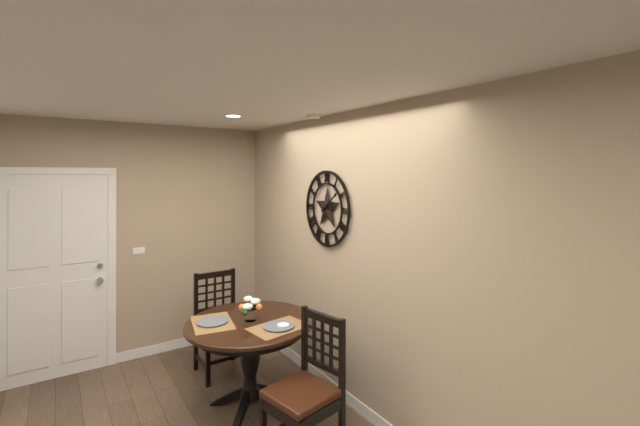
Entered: **2:09**
